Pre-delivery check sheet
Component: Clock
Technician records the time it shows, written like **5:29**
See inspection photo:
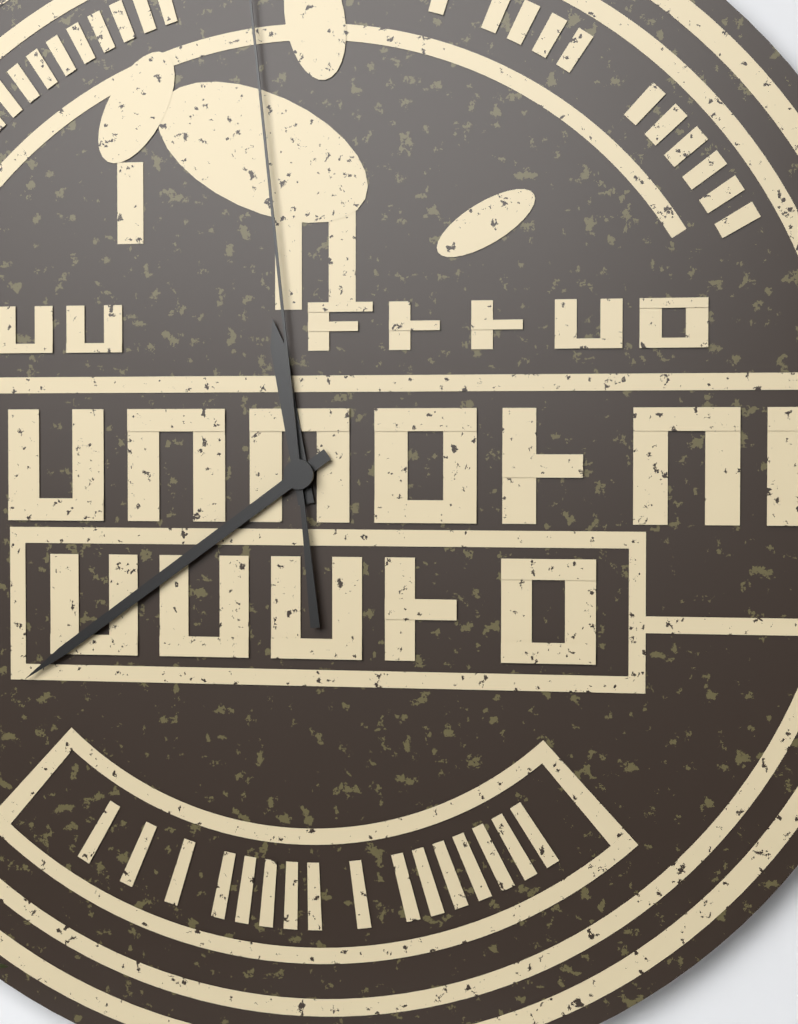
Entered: **11:39**
